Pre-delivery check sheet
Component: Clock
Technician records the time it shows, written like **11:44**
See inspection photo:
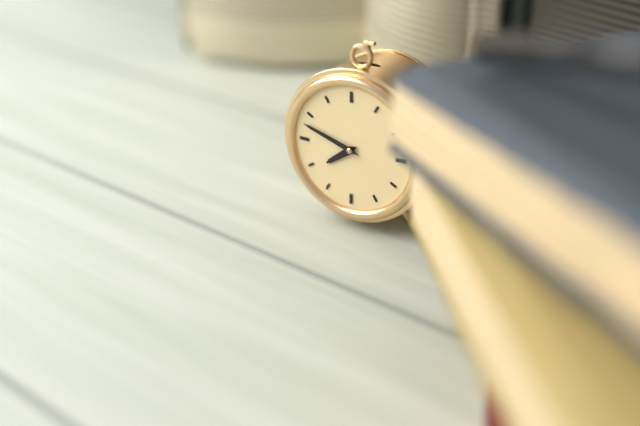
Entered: **7:48**
